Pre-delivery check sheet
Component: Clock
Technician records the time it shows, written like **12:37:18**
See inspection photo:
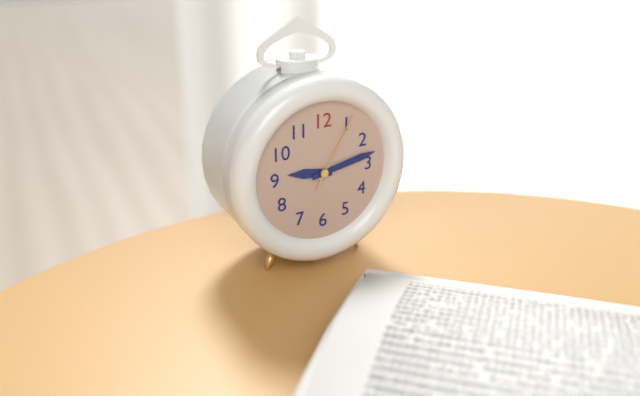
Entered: **9:13:05**
